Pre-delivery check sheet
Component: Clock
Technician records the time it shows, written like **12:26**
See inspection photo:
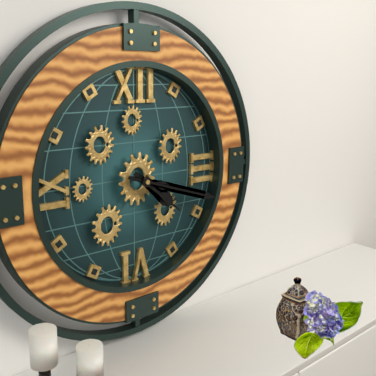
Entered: **4:18**
